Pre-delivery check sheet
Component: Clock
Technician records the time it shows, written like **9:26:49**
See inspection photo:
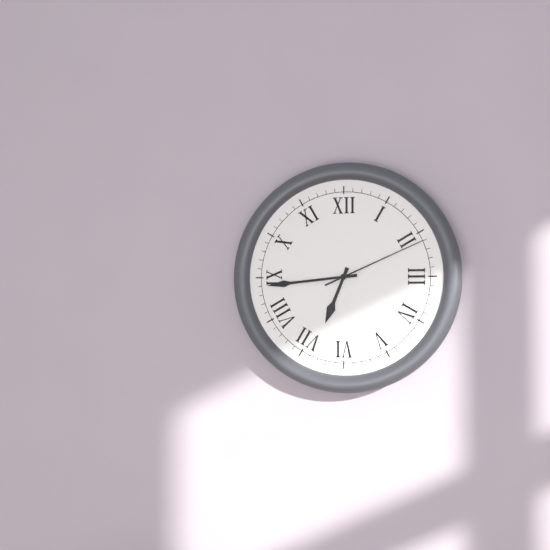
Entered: **6:44:11**
